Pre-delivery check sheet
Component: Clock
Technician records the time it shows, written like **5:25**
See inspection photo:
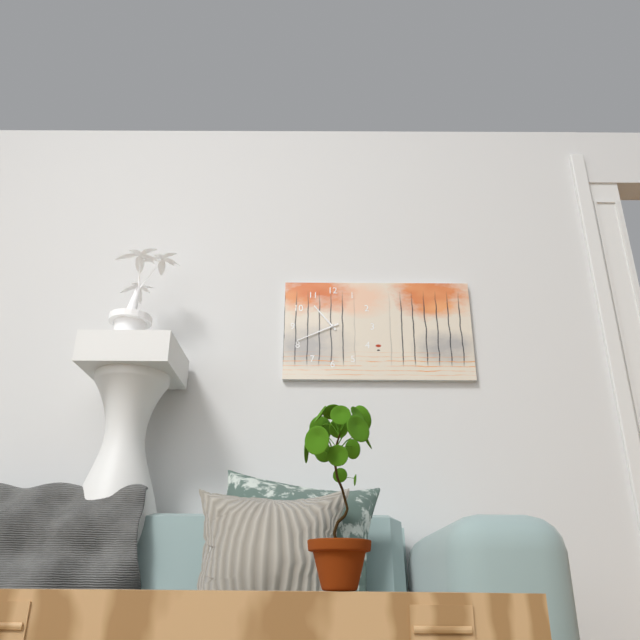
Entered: **10:41**
